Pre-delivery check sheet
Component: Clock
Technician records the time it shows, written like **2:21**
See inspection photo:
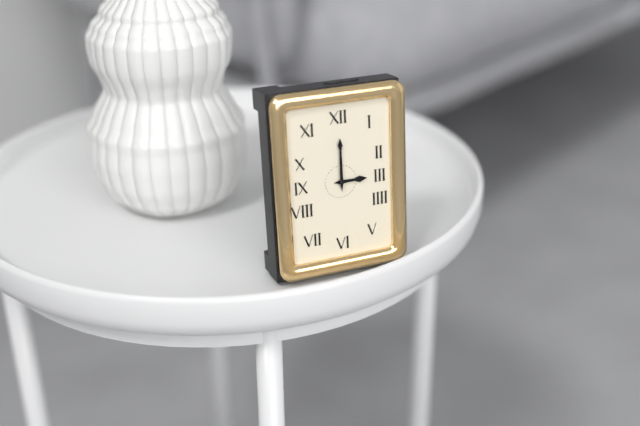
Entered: **3:00**
